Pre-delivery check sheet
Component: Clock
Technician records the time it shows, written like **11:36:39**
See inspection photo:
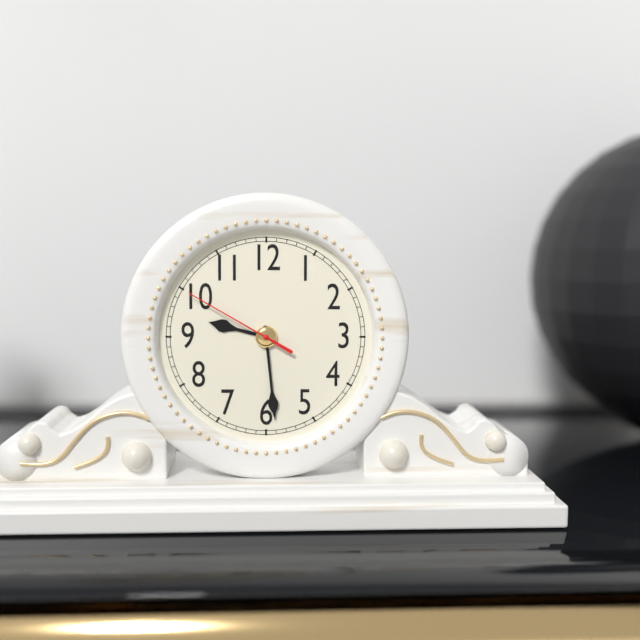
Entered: **9:29:50**
